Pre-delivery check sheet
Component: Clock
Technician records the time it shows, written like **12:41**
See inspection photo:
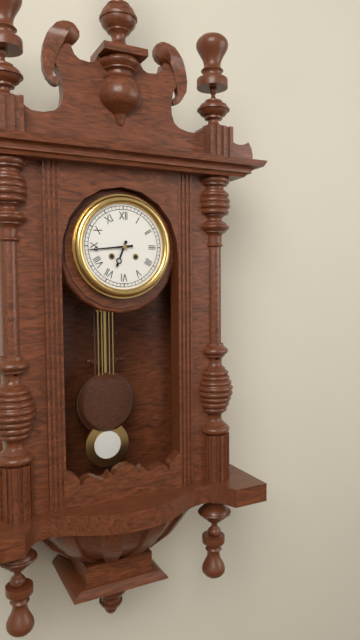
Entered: **6:44**
